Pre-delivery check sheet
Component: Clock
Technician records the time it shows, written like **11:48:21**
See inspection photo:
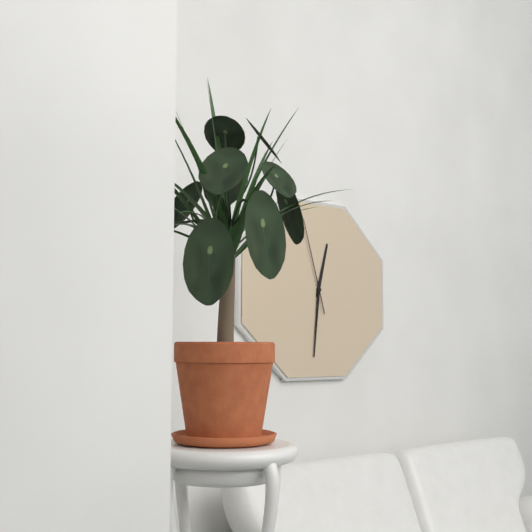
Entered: **12:31:57**
